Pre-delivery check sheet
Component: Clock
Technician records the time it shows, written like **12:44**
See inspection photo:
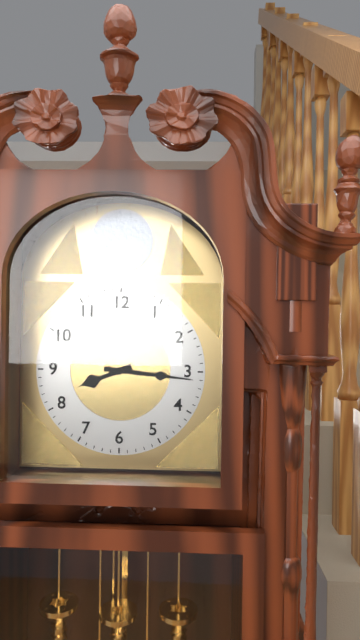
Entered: **8:16**
